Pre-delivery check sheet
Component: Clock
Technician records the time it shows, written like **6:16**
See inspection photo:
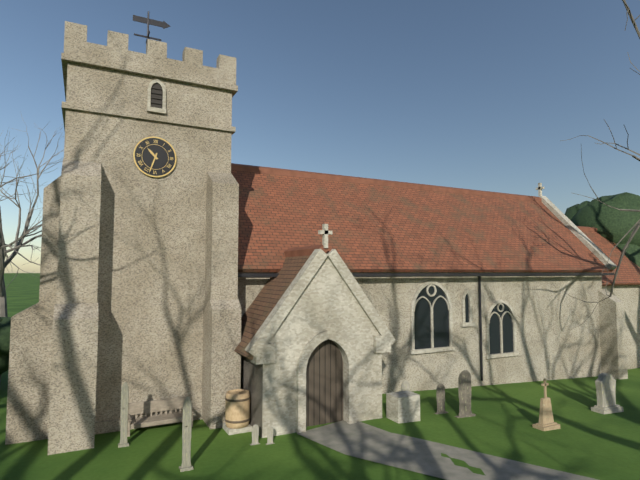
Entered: **10:33**
